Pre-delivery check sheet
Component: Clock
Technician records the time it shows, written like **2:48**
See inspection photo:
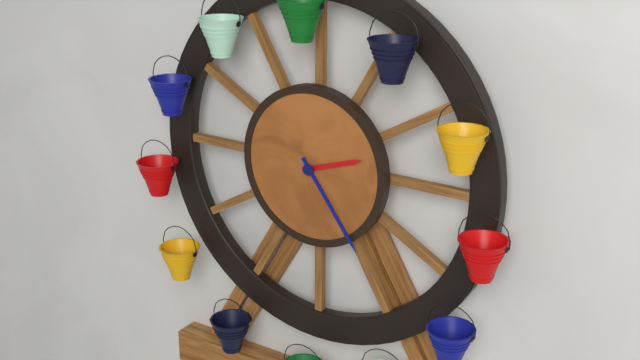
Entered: **2:24**
